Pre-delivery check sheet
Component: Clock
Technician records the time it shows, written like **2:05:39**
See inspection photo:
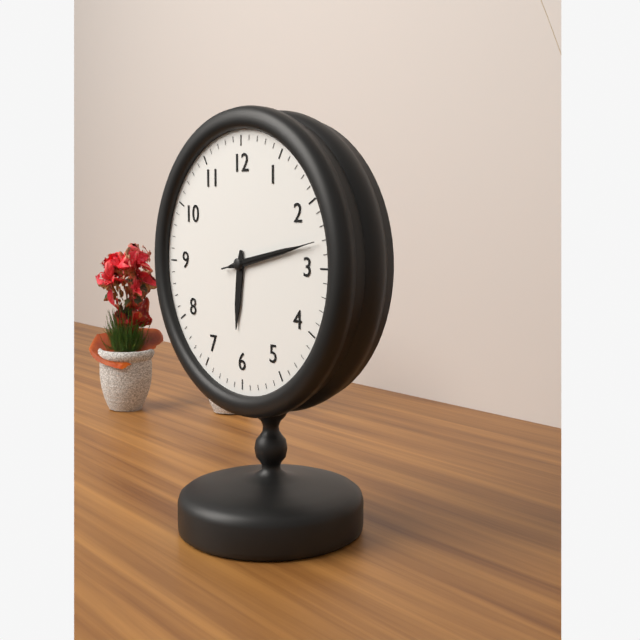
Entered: **6:13:13**
